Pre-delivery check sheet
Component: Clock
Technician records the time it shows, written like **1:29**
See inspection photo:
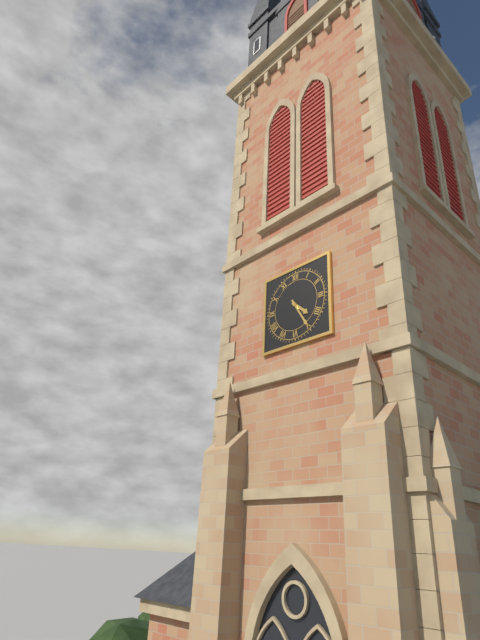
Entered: **4:25**
